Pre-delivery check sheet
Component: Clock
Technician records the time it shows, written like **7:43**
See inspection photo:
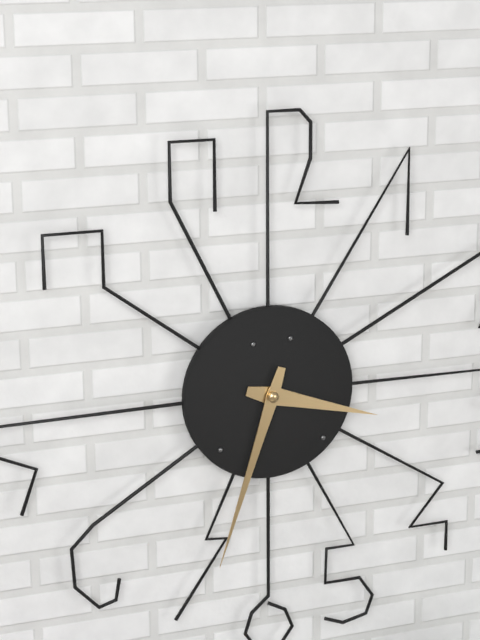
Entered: **3:33**
